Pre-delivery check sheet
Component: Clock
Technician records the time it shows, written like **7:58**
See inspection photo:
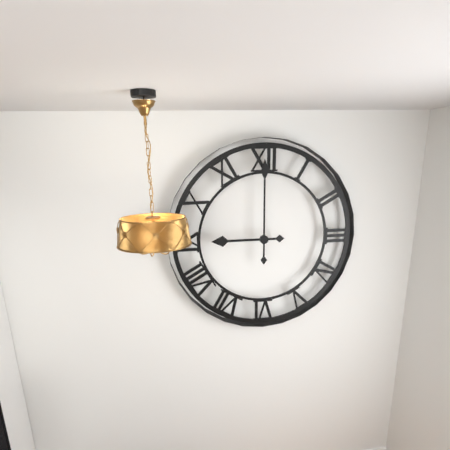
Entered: **9:00**
